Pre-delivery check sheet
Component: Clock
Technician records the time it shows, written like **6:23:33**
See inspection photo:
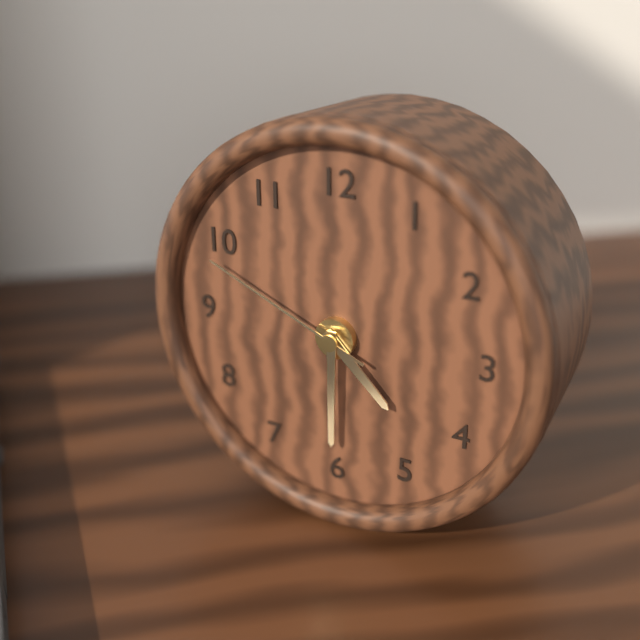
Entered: **4:30:49**
